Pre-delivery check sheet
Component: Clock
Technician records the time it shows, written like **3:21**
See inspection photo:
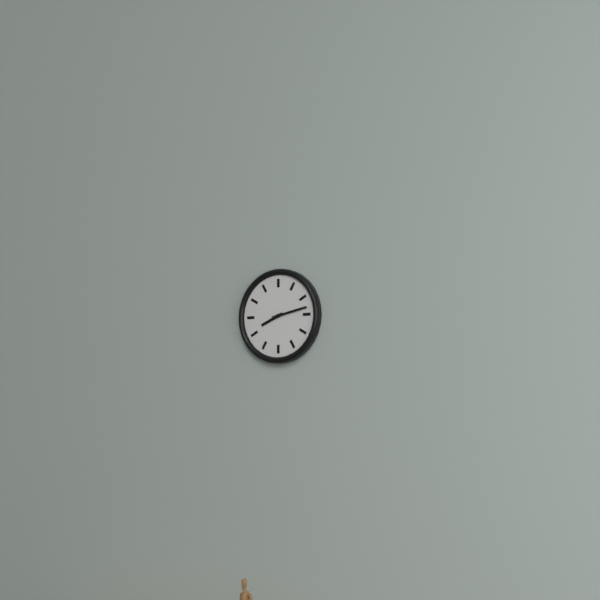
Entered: **8:13**
